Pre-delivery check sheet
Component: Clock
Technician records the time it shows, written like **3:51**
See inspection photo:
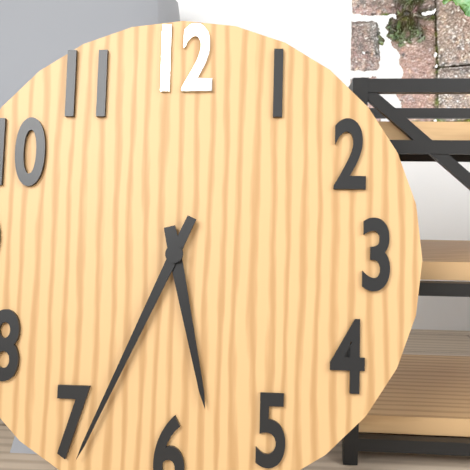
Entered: **5:34**
